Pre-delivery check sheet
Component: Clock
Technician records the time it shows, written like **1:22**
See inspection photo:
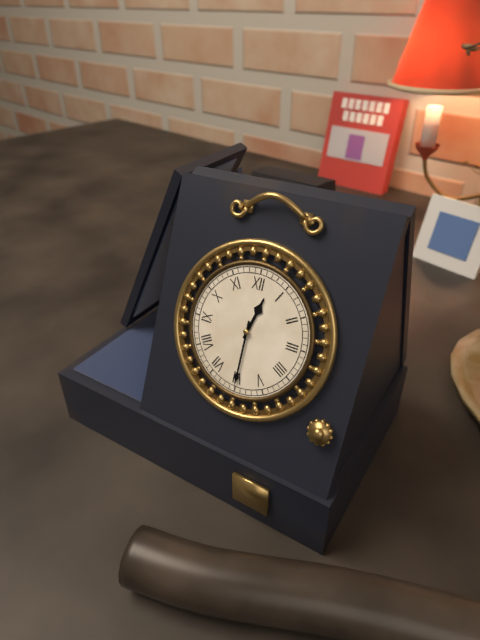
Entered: **12:30**
